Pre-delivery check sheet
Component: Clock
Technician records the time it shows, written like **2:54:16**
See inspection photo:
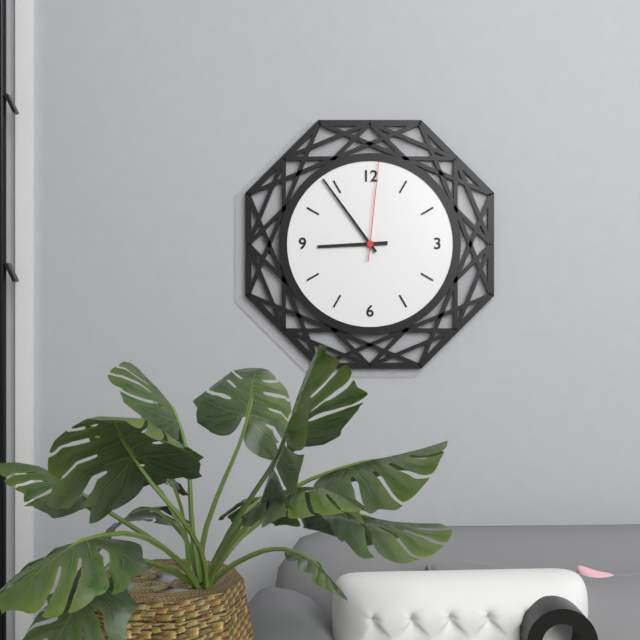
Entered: **8:54:01**
